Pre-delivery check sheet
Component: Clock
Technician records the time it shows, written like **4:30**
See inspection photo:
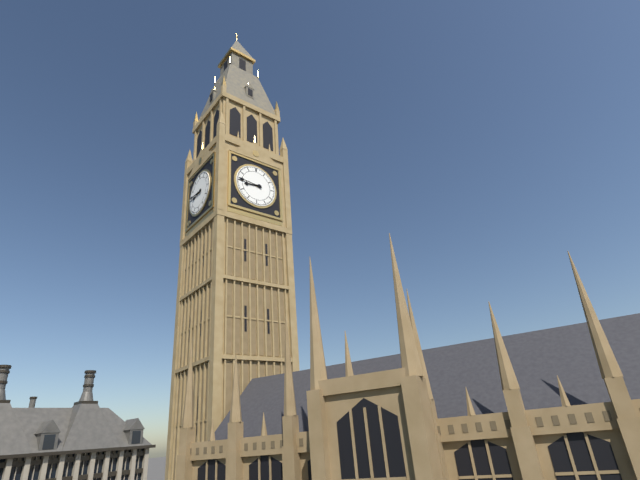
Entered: **8:46**
